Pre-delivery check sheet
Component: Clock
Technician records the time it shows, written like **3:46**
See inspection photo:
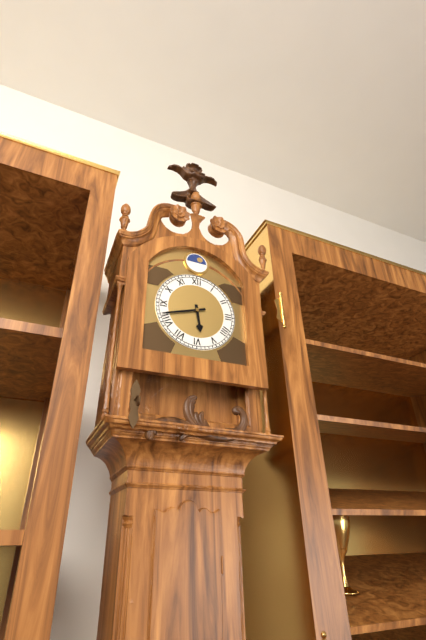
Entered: **5:42**
